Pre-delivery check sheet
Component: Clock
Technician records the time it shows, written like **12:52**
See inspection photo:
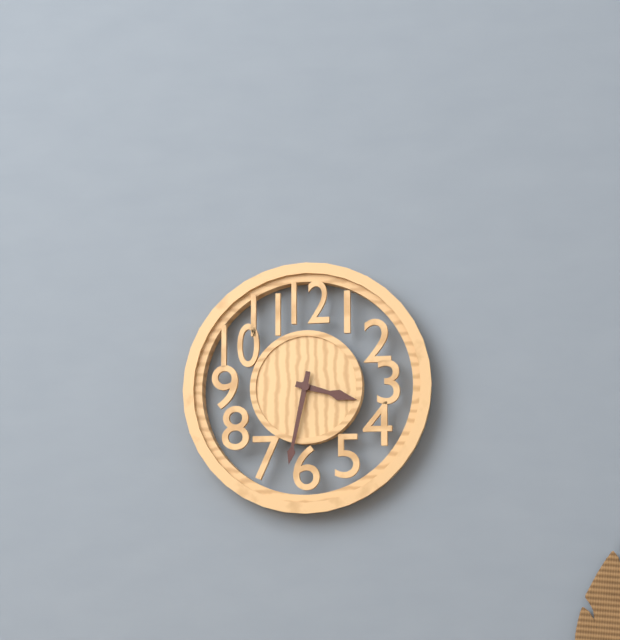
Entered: **3:32**
